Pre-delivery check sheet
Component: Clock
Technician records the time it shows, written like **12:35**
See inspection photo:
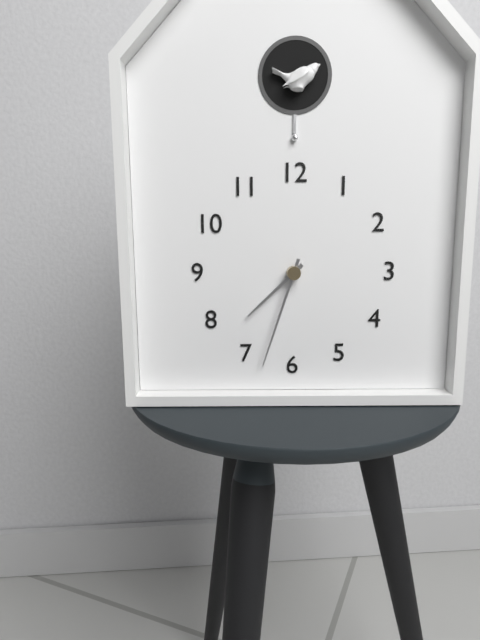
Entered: **7:33**
